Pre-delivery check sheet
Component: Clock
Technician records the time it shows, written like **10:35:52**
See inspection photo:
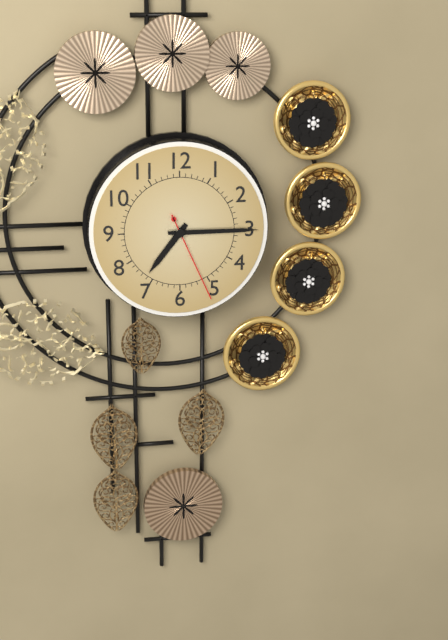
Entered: **7:15:26**
